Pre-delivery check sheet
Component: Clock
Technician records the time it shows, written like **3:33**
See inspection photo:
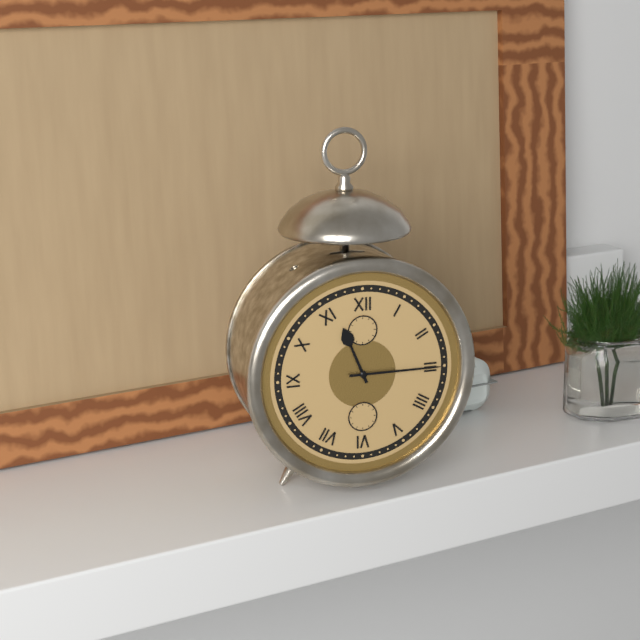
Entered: **11:15**
